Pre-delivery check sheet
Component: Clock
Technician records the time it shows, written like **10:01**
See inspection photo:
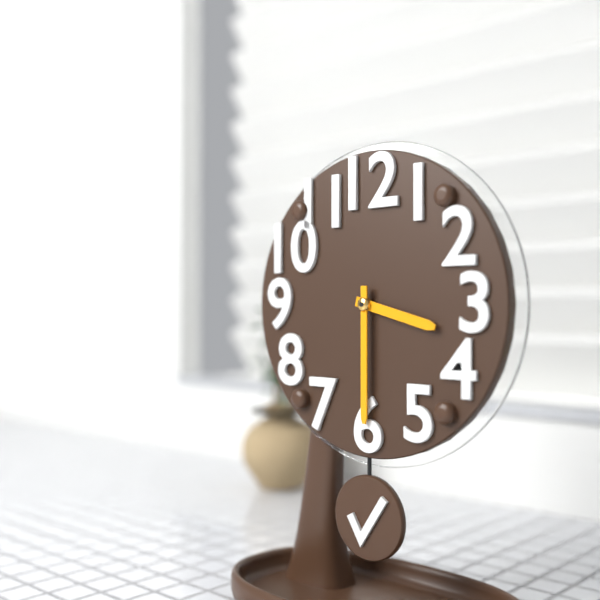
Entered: **3:30**
